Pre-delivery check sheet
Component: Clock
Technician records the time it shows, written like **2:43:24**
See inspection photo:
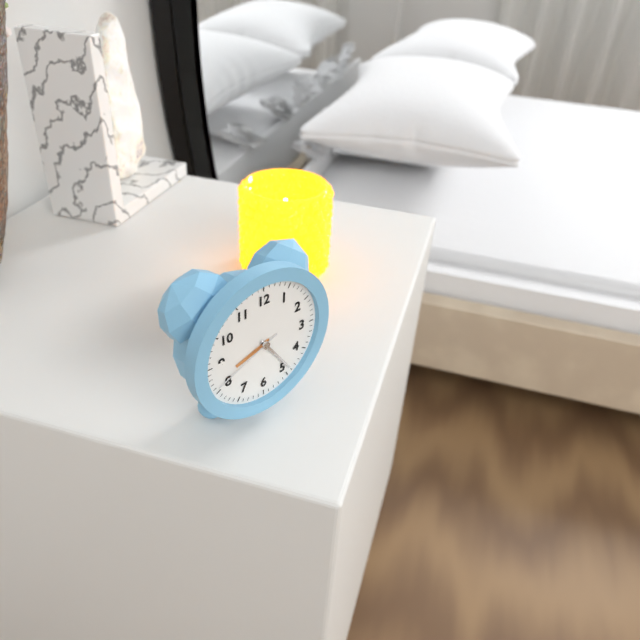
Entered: **8:24:41**
